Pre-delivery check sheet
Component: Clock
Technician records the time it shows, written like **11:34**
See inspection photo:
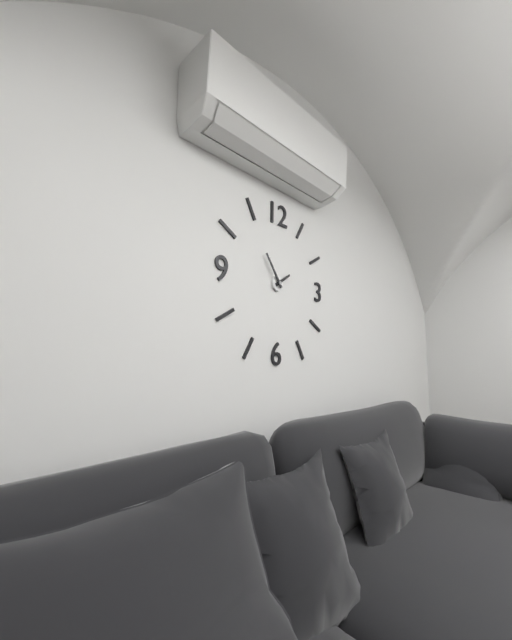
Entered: **1:54**
